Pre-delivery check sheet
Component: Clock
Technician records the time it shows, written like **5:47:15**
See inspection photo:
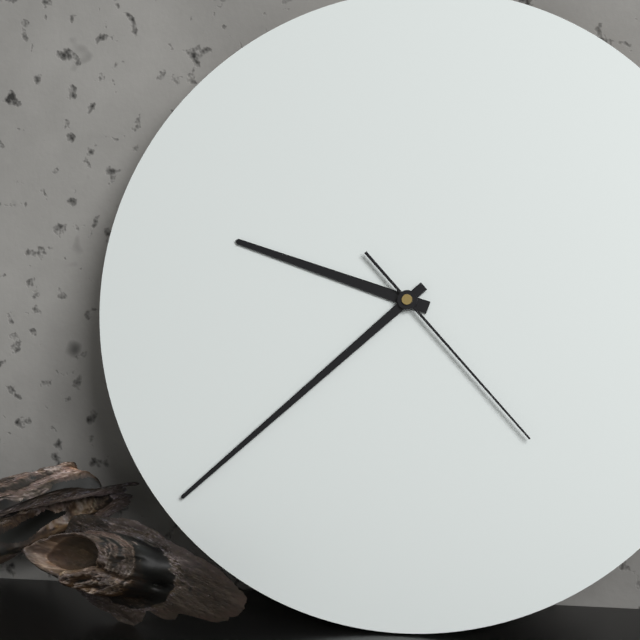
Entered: **9:38:23**
